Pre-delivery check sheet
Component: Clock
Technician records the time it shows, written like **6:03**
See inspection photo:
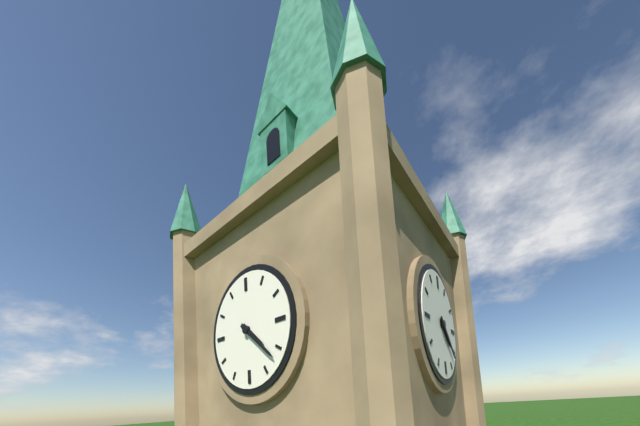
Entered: **4:22**
